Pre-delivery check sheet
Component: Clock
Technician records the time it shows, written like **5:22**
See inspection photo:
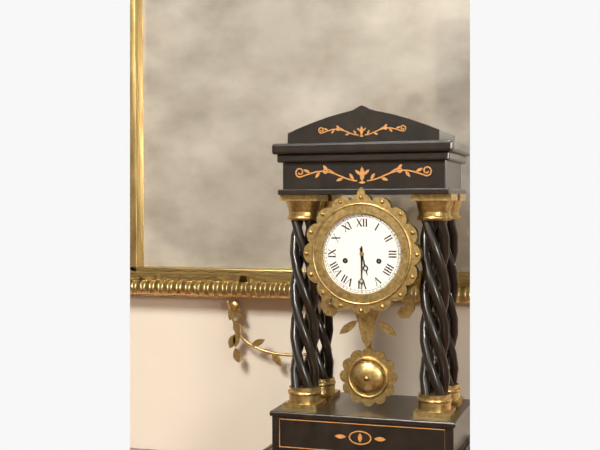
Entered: **5:30**
